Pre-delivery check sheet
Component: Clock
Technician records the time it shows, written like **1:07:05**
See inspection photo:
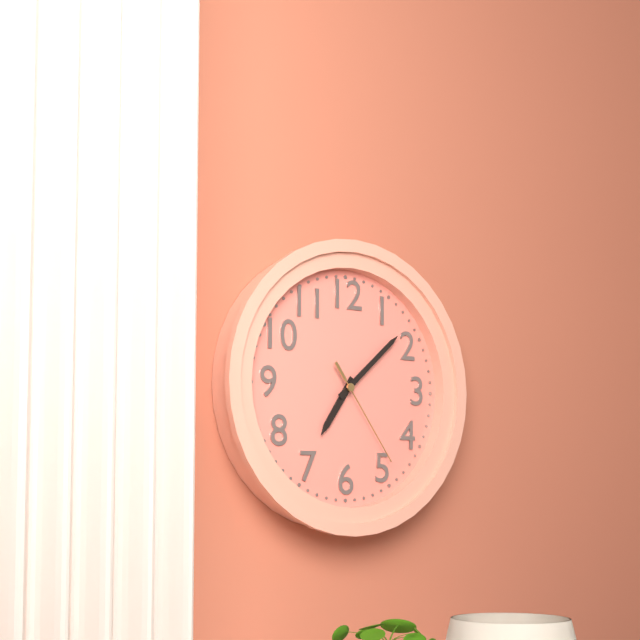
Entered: **7:08:24**
